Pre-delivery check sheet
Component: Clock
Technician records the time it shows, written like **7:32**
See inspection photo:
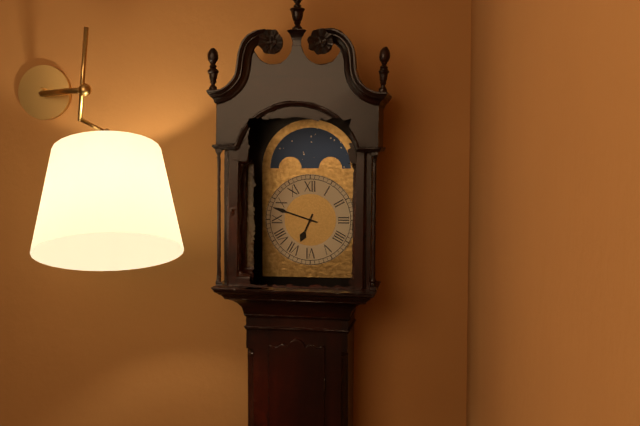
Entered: **6:48**
